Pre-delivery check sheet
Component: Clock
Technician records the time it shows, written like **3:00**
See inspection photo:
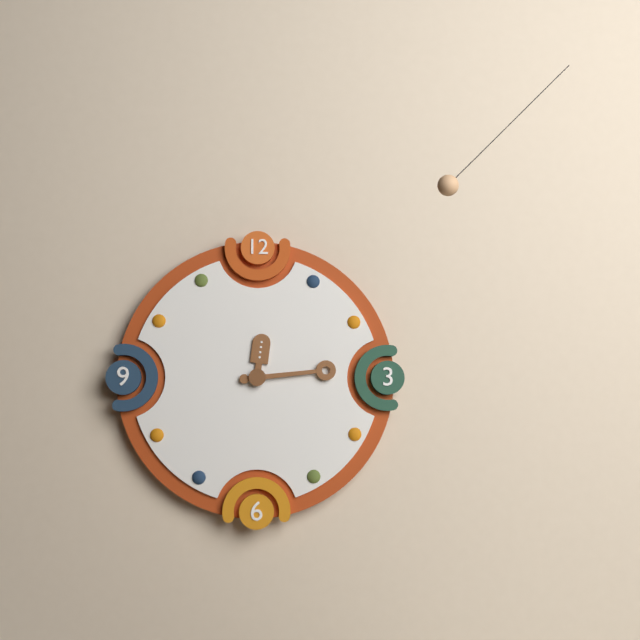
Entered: **12:14**
